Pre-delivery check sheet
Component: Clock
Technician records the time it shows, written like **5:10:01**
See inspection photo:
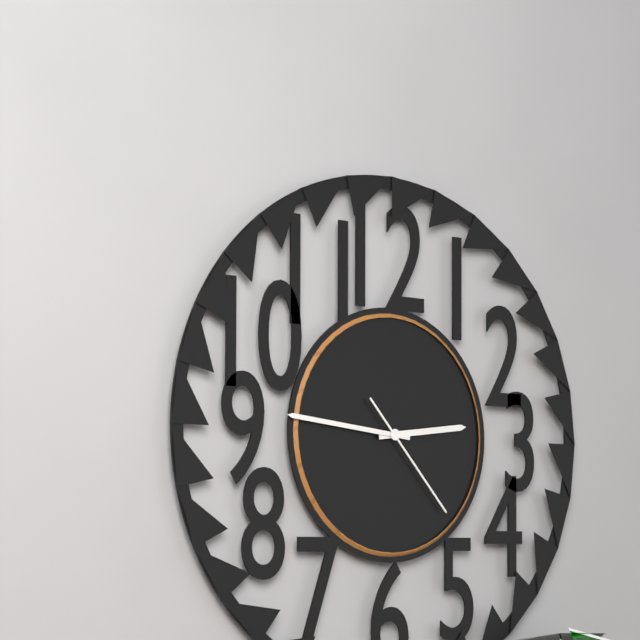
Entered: **2:46:23**
